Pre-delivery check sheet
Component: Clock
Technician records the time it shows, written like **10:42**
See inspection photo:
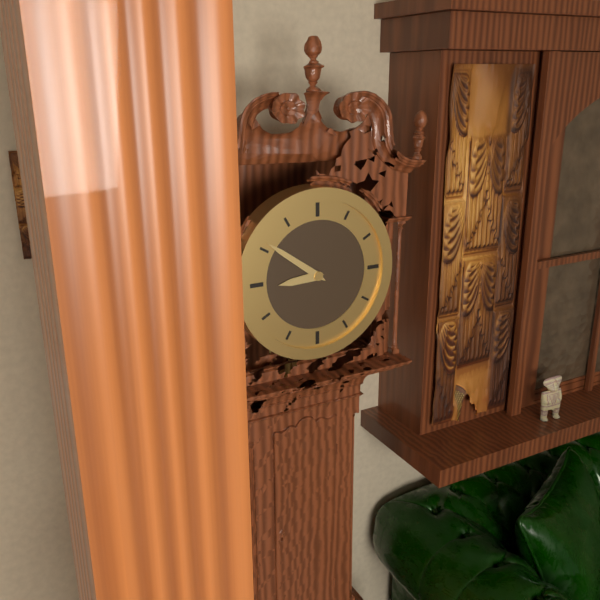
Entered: **8:51**
